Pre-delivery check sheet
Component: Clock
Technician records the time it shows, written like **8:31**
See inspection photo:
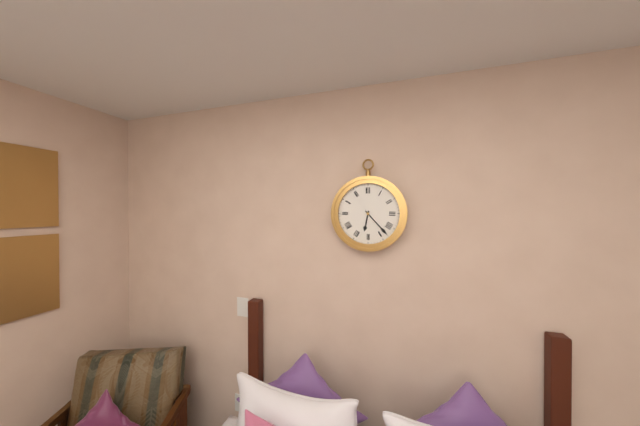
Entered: **6:23**
